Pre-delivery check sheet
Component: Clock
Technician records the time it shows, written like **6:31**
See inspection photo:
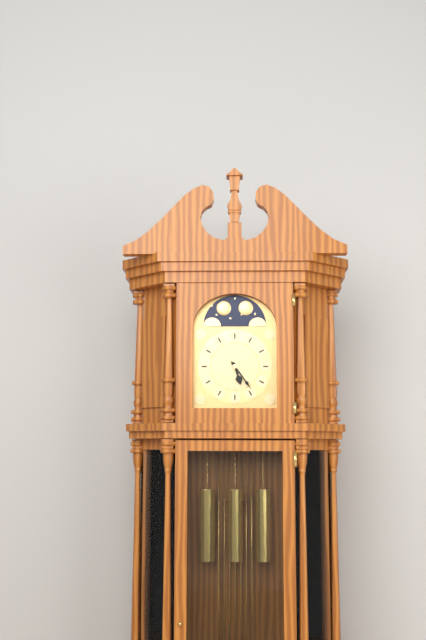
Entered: **5:24**
